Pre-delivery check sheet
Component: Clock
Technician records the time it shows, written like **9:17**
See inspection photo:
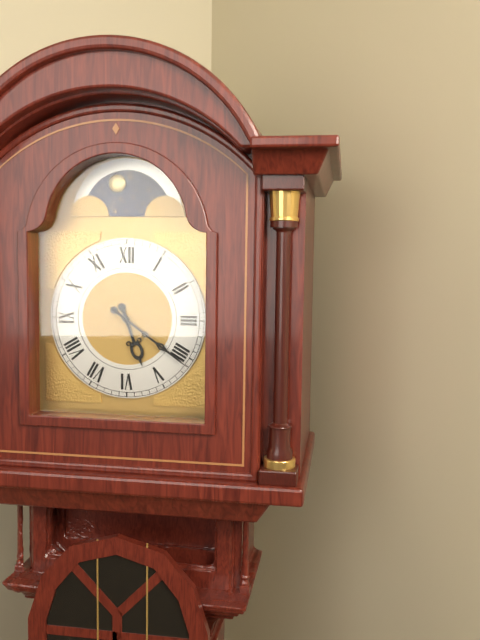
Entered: **5:21**
